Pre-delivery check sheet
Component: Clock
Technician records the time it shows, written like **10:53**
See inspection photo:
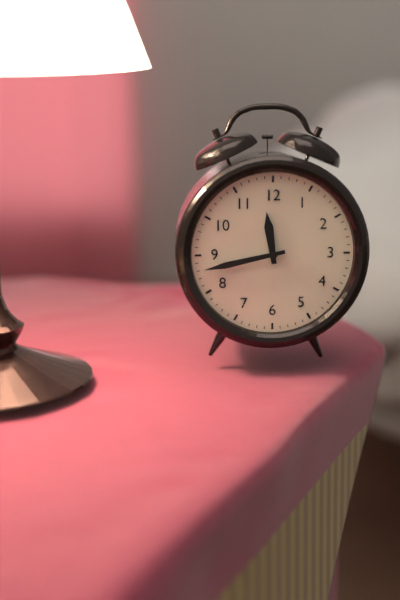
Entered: **11:43**
